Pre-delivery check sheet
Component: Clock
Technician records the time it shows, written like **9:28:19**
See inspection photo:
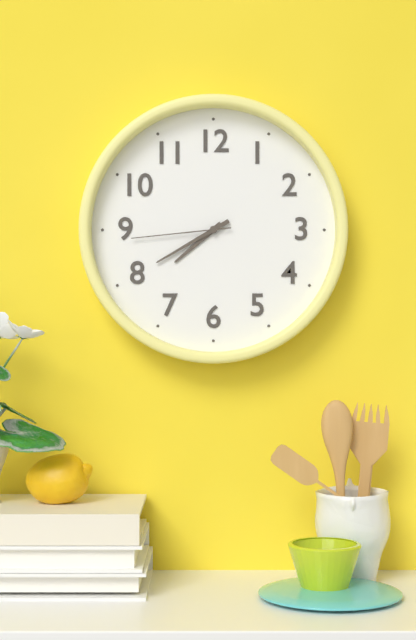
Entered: **7:40:44**
